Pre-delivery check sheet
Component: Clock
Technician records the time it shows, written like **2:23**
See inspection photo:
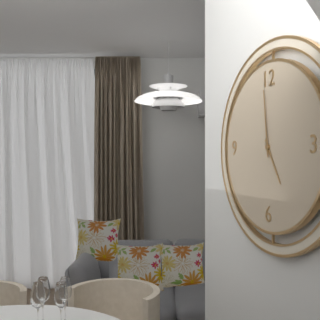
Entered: **4:59**
